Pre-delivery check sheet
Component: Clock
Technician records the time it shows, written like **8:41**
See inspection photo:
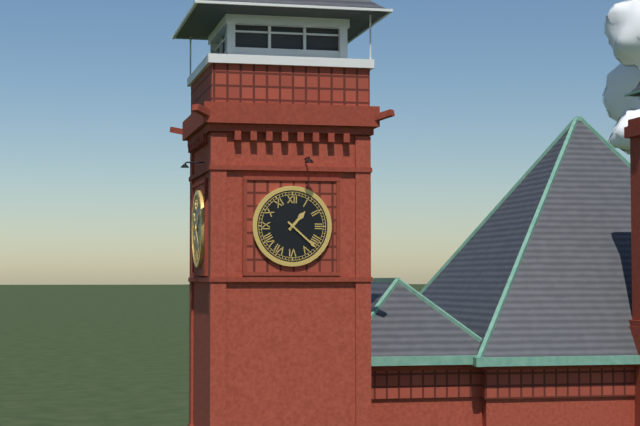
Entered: **1:22**
